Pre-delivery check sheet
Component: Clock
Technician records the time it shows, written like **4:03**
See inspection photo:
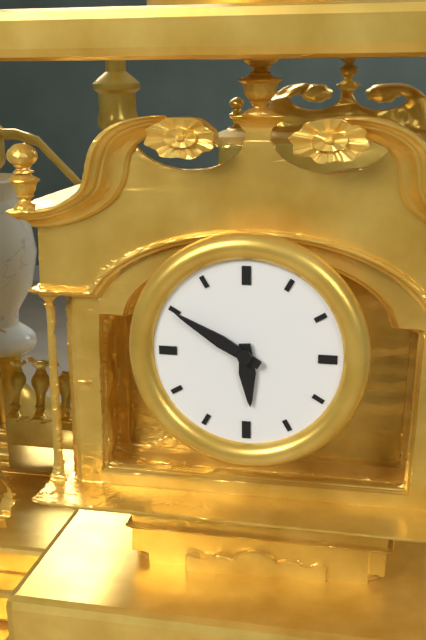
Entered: **5:50**
